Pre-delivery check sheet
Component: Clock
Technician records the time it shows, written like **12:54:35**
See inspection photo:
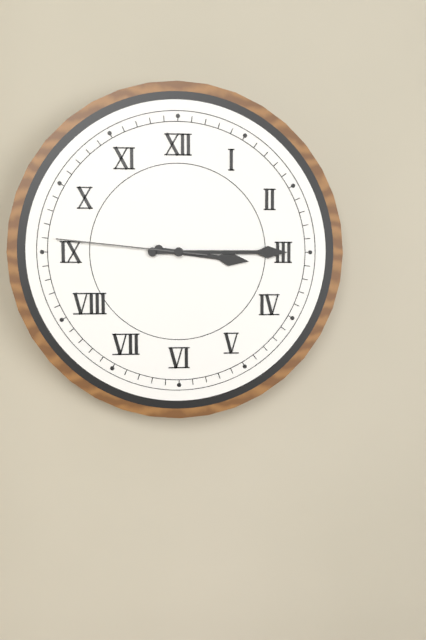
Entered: **3:15:46**
